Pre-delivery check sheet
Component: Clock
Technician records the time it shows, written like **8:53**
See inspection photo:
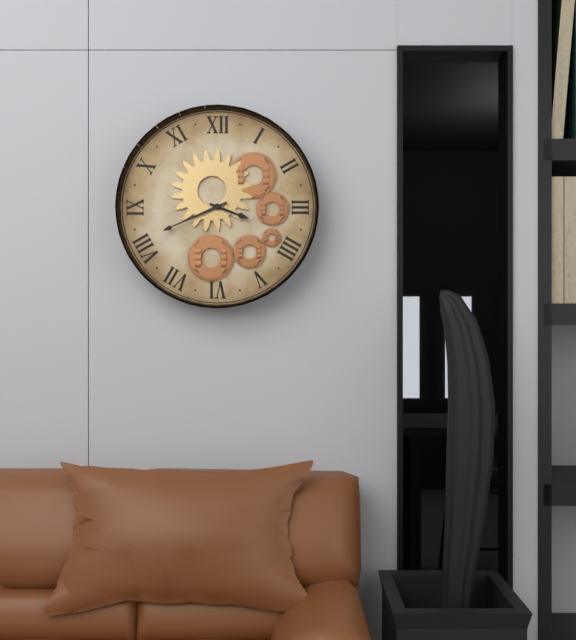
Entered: **3:41**
